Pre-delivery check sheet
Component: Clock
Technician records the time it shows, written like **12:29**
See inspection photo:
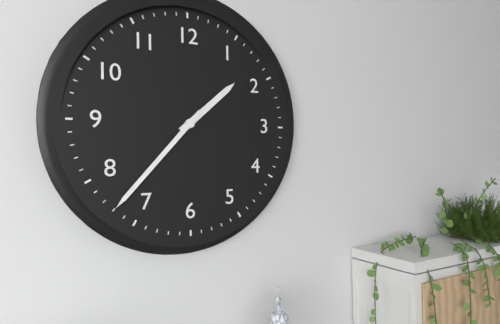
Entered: **1:37**
